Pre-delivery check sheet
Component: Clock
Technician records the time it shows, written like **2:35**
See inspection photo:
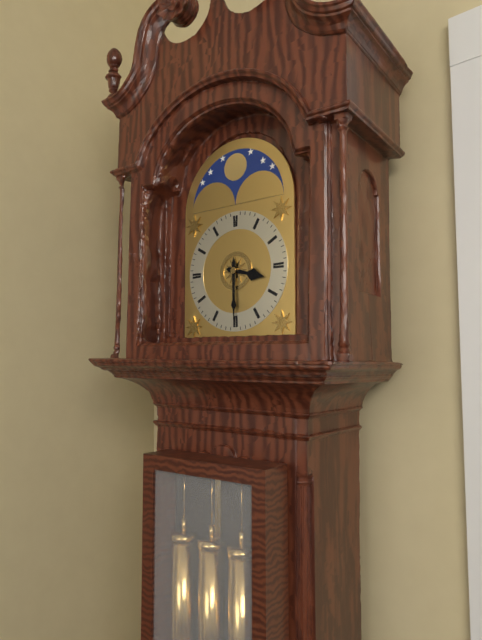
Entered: **3:30**
